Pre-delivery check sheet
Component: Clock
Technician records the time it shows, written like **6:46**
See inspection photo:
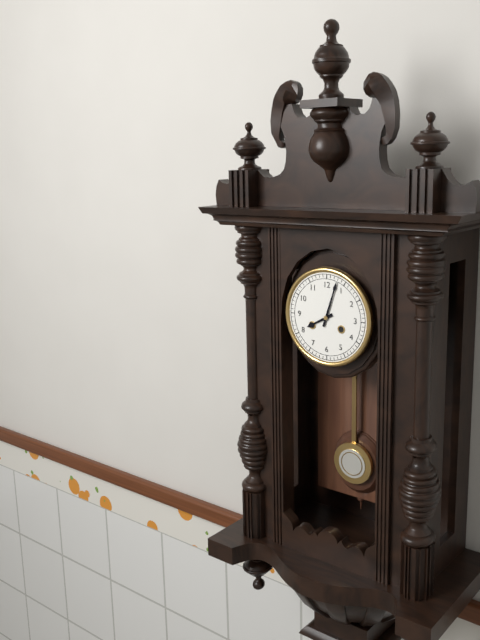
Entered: **8:03**
